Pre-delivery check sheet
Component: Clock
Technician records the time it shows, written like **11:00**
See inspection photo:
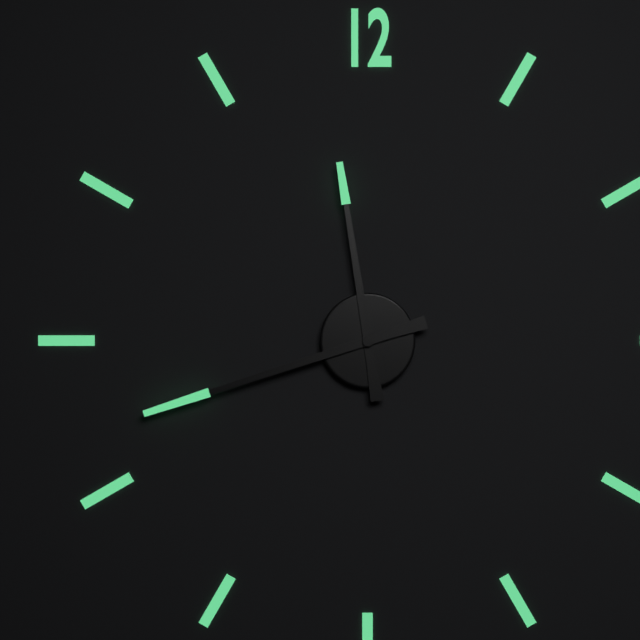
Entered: **11:42**
